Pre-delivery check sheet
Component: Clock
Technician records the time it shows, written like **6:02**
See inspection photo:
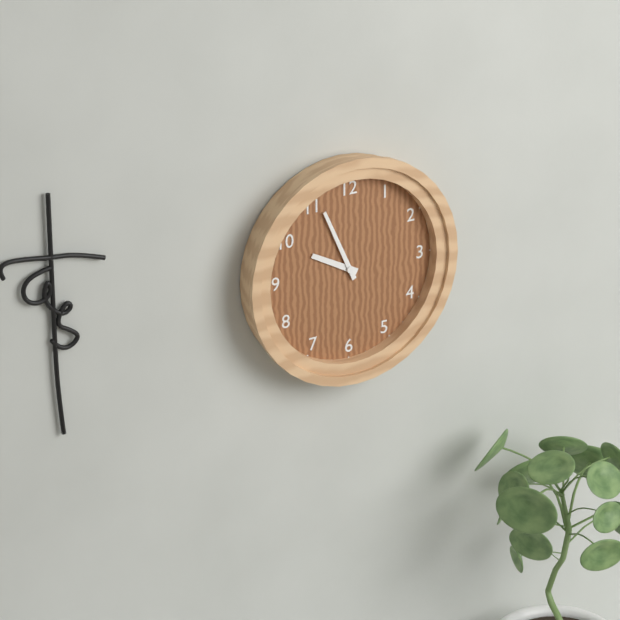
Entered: **9:56**
